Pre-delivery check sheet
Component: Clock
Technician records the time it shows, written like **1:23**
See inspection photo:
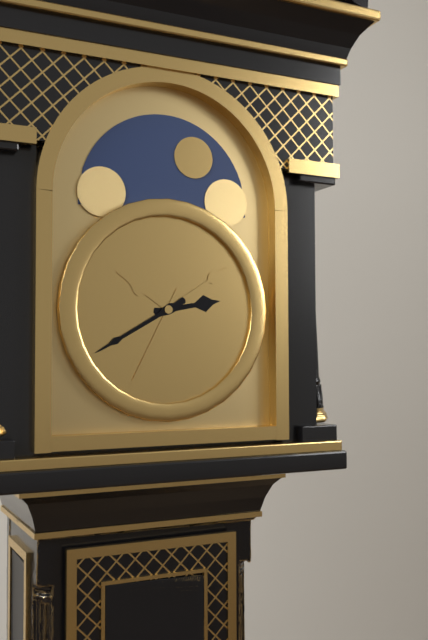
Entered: **2:40**
